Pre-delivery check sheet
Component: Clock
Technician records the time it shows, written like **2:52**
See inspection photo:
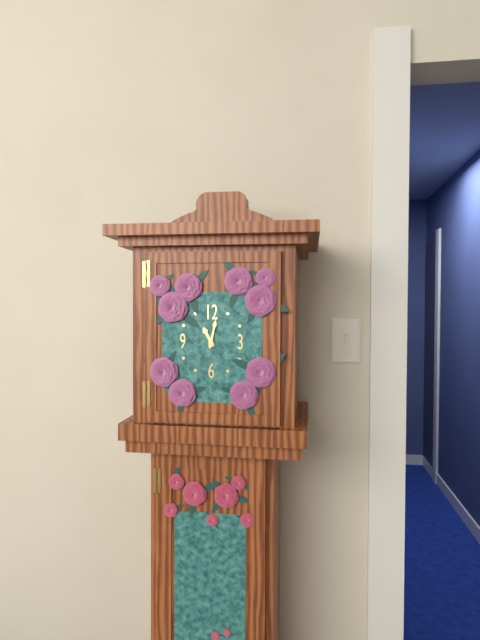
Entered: **11:02**
